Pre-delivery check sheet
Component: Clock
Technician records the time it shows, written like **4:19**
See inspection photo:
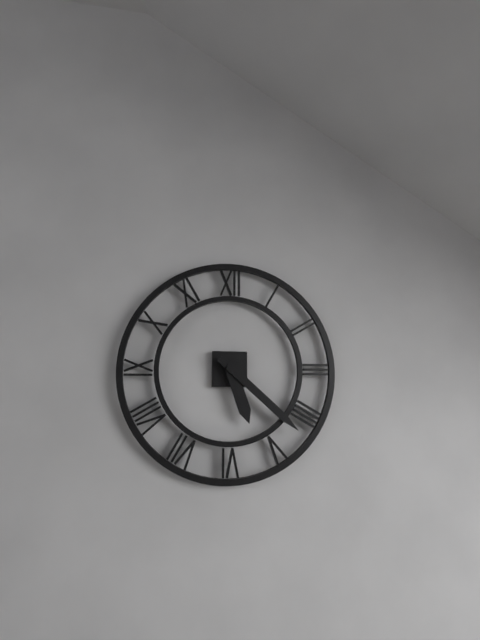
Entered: **5:22**
